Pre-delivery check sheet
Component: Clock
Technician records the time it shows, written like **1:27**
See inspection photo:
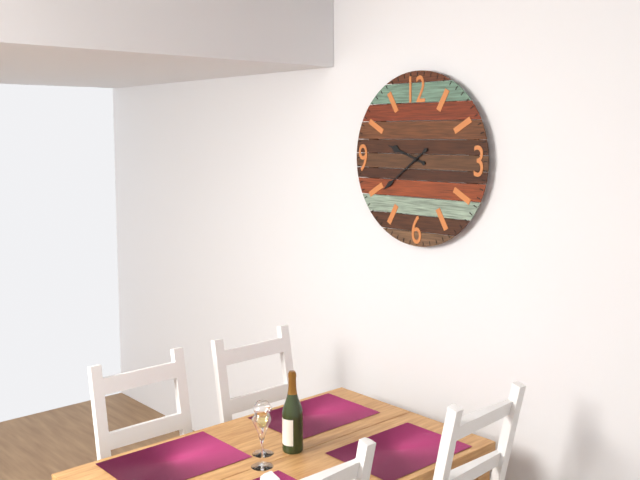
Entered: **9:39**
